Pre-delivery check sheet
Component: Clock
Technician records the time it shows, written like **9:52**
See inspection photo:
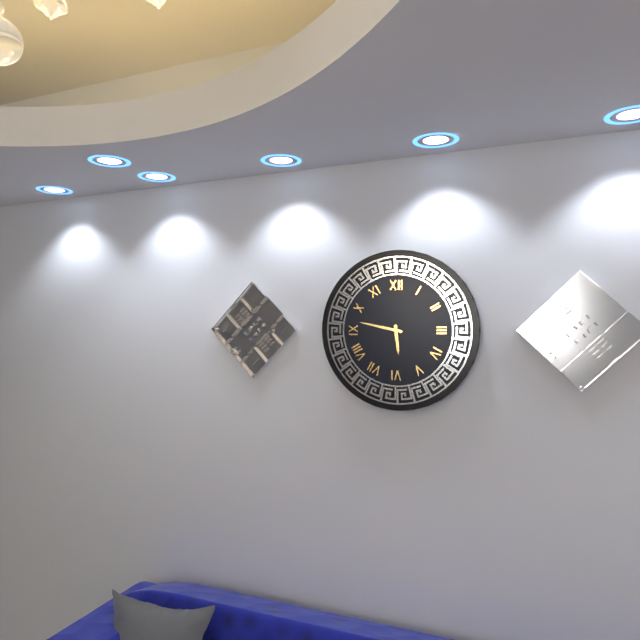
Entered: **5:47**
